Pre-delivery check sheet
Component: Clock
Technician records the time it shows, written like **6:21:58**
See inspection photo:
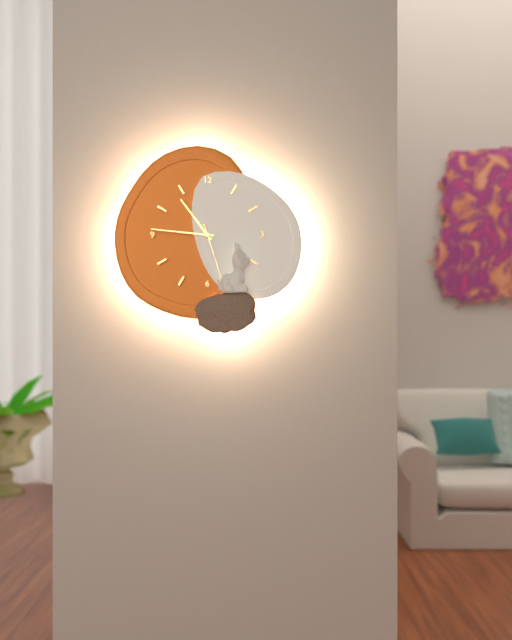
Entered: **10:46:27**
